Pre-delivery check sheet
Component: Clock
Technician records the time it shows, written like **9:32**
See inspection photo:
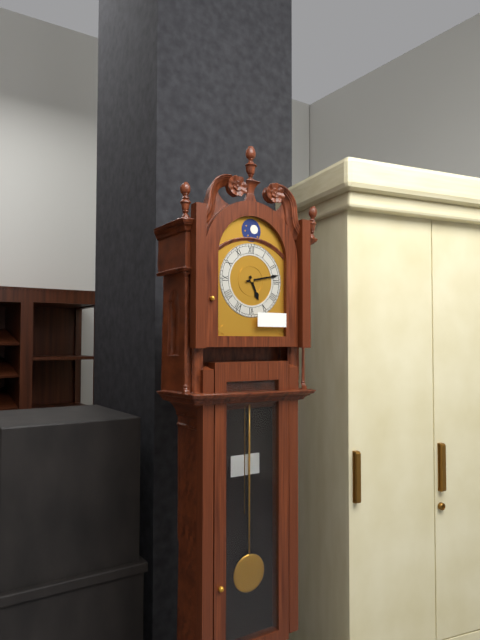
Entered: **5:13**
